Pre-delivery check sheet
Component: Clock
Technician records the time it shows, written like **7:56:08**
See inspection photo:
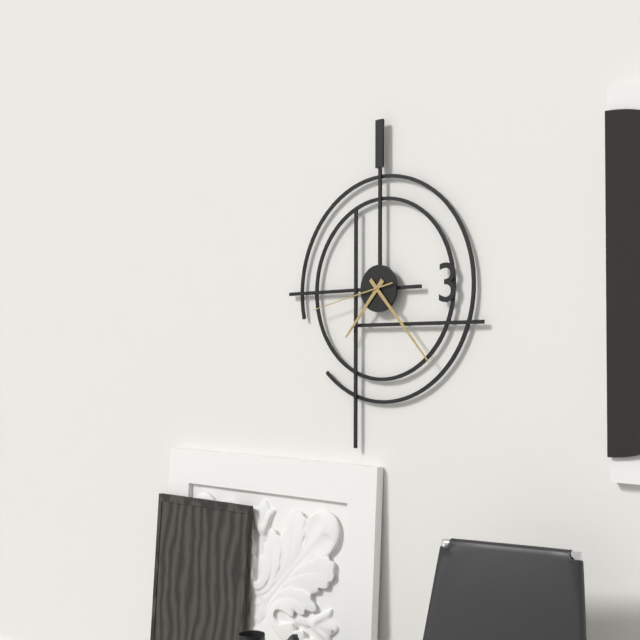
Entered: **7:23:43**
